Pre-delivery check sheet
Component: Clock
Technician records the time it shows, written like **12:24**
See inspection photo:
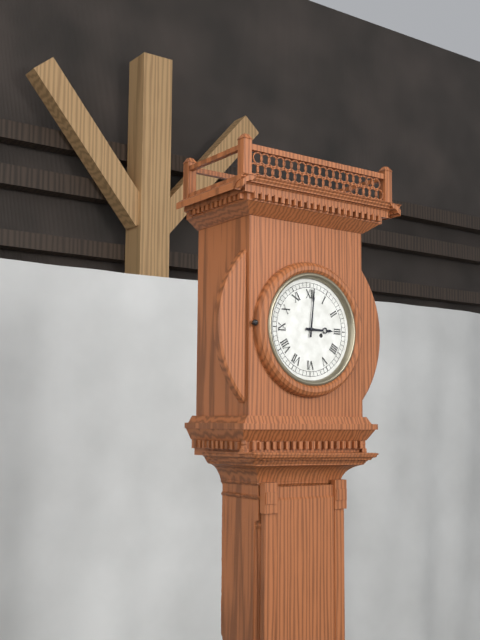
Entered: **3:01**
